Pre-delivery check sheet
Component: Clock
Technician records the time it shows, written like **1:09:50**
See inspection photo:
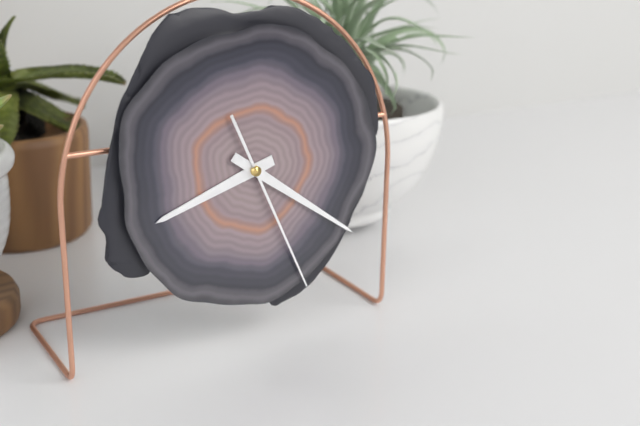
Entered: **8:21:26**
